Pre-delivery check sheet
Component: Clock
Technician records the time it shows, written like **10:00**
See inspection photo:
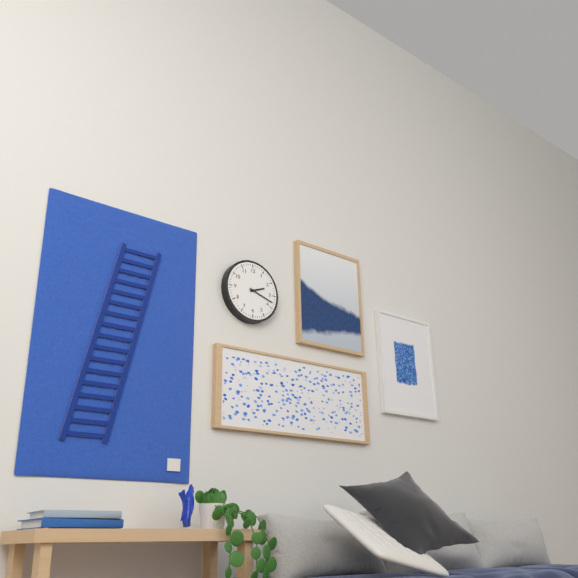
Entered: **2:18**
